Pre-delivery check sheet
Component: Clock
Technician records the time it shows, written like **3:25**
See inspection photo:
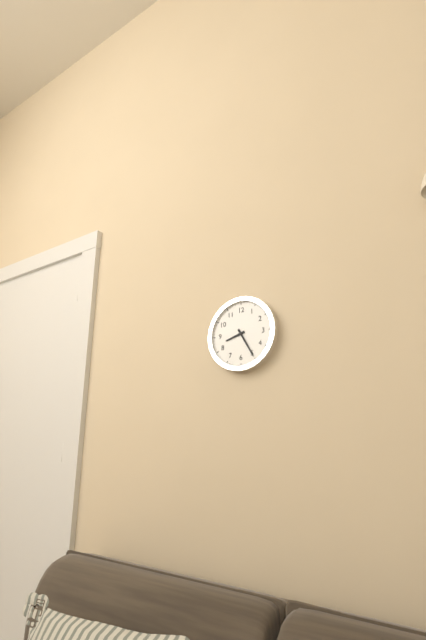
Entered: **8:25**
